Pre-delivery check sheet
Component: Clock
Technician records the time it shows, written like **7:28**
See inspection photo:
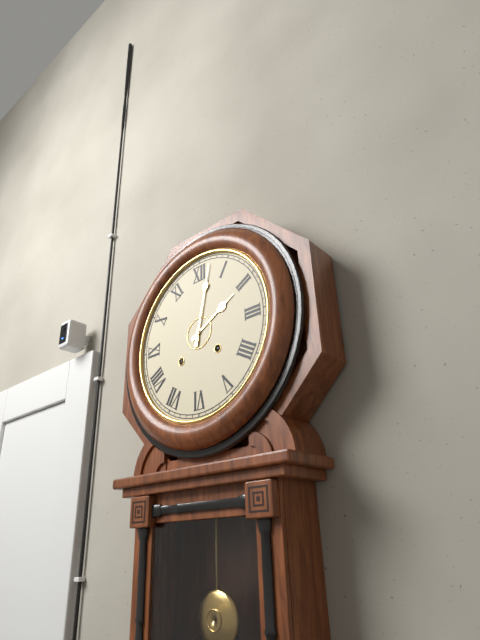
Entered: **2:02**
